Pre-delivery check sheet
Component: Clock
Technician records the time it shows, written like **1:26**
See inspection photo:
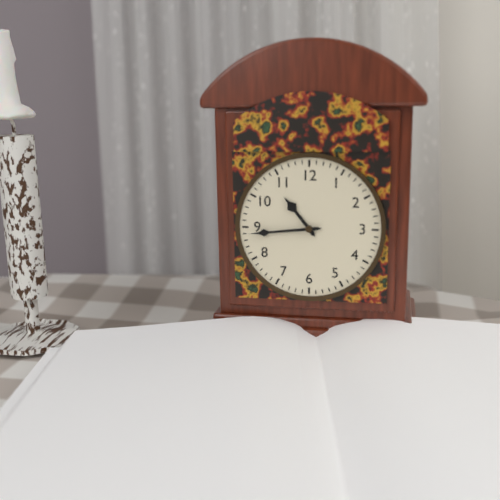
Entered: **10:44**
